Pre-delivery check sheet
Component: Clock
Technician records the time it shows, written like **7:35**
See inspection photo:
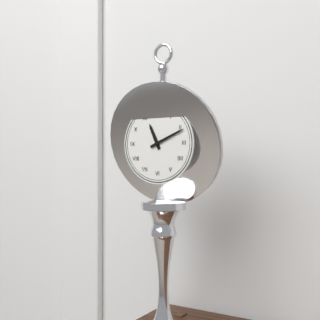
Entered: **11:11**
